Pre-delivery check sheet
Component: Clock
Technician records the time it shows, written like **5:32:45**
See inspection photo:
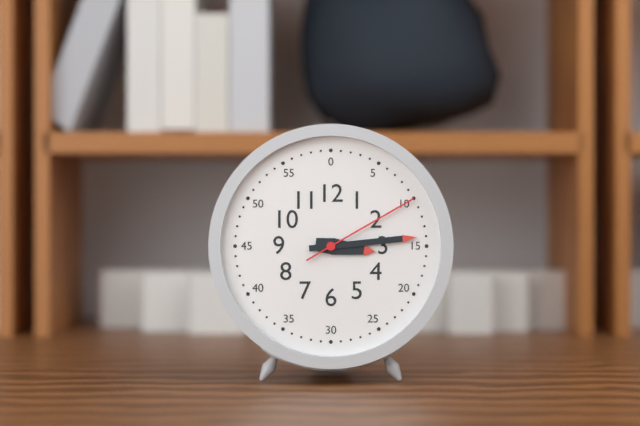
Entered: **3:14:10**
